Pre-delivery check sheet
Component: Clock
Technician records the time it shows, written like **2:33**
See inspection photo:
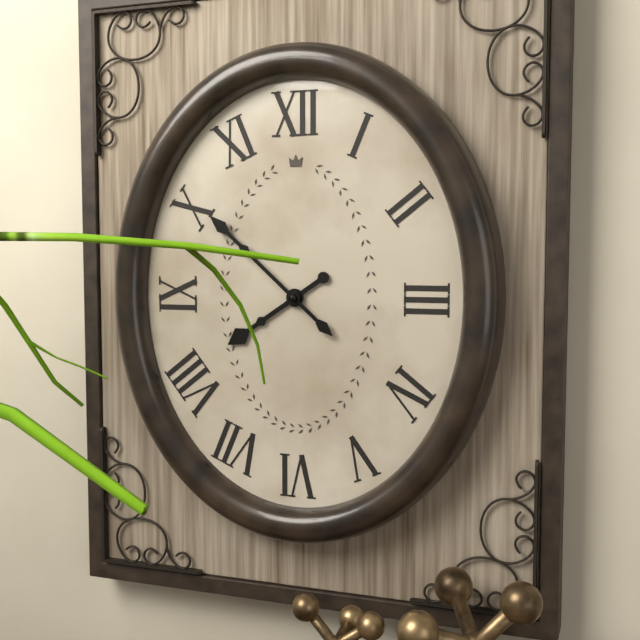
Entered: **7:52**
